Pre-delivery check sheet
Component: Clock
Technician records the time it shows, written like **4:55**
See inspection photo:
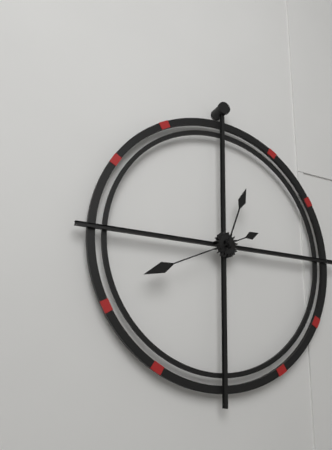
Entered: **12:41**
